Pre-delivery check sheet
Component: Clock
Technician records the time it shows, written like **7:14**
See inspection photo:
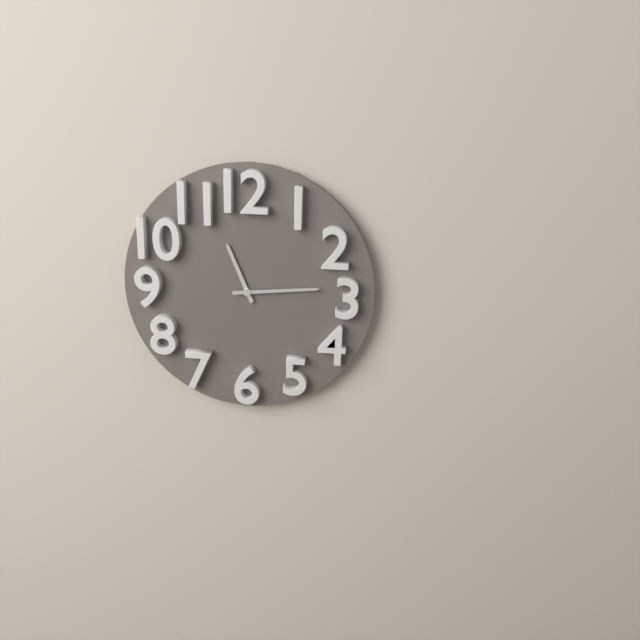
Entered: **11:14**
